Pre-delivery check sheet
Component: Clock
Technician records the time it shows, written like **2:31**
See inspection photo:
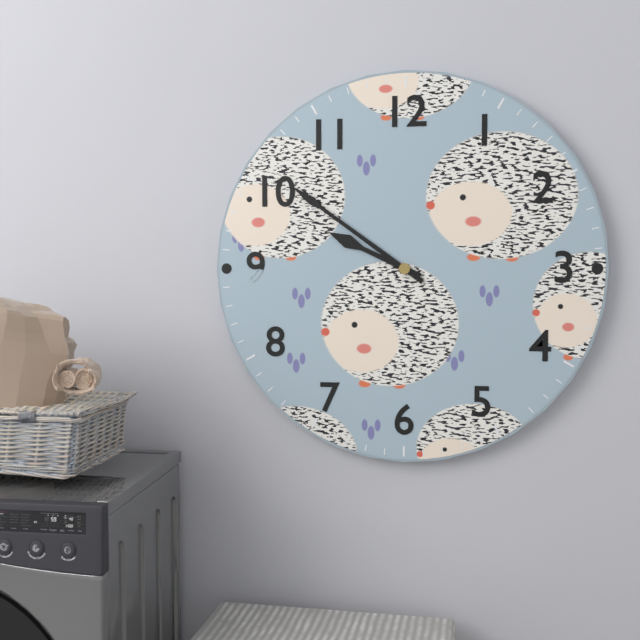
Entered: **9:51**
